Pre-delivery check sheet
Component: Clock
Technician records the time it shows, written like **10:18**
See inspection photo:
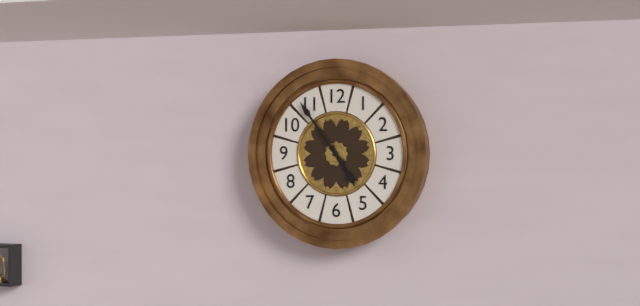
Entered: **4:54**
